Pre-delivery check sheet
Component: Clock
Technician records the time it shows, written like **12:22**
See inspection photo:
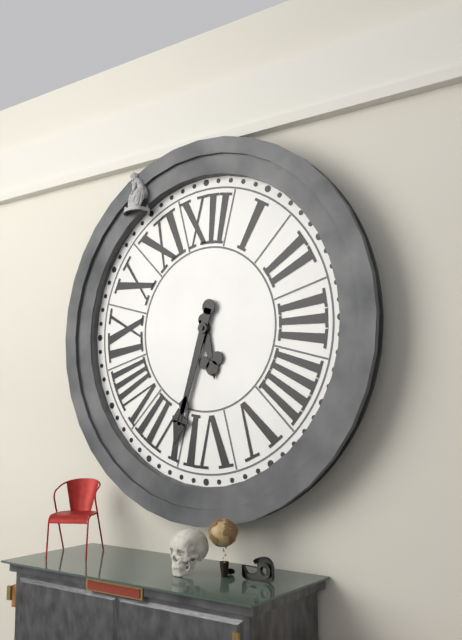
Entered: **5:33**
